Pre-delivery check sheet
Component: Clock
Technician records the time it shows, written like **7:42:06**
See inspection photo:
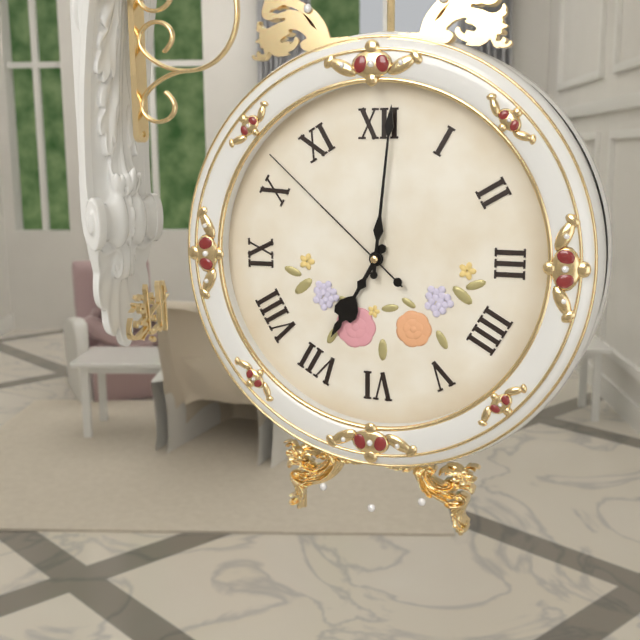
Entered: **7:01:52**
